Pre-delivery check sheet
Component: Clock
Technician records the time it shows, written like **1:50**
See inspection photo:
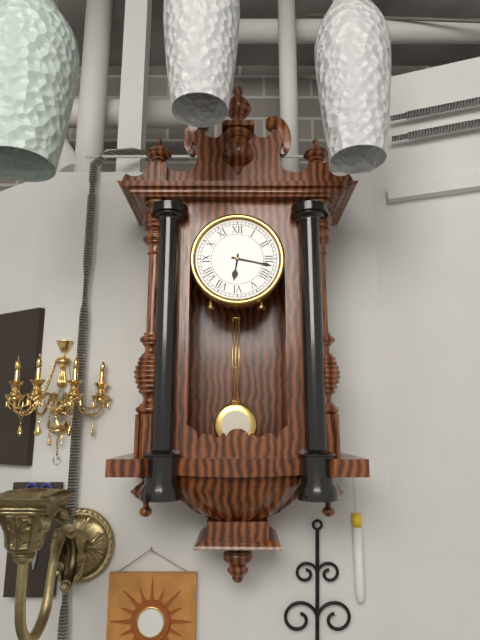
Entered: **6:17**
